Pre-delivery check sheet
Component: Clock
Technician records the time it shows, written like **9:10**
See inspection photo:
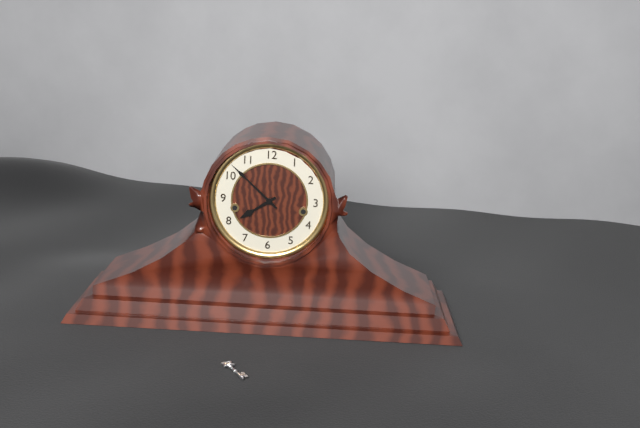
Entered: **7:52**
